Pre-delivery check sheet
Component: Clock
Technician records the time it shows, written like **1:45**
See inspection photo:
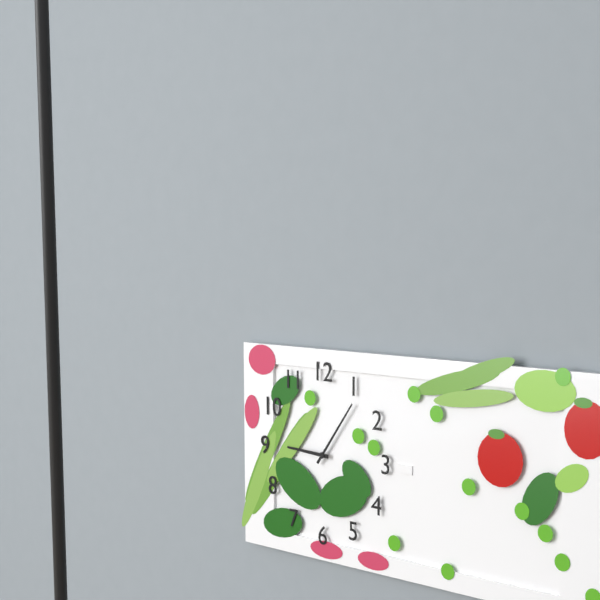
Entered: **9:06**
